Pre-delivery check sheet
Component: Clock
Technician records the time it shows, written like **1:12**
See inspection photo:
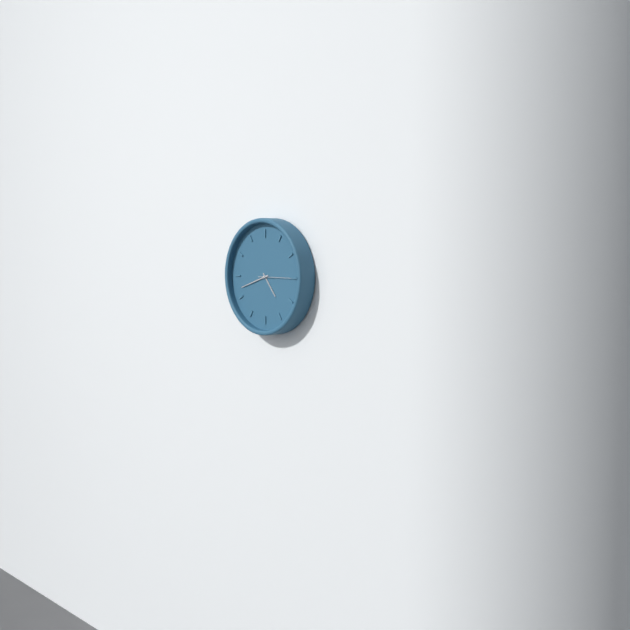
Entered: **4:42**
